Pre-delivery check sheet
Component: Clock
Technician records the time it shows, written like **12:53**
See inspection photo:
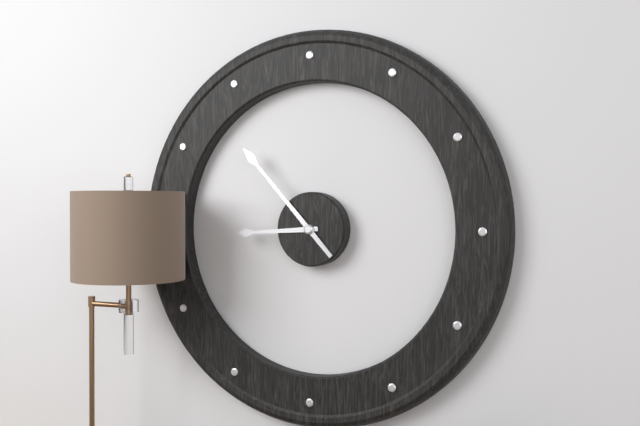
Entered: **8:53**
